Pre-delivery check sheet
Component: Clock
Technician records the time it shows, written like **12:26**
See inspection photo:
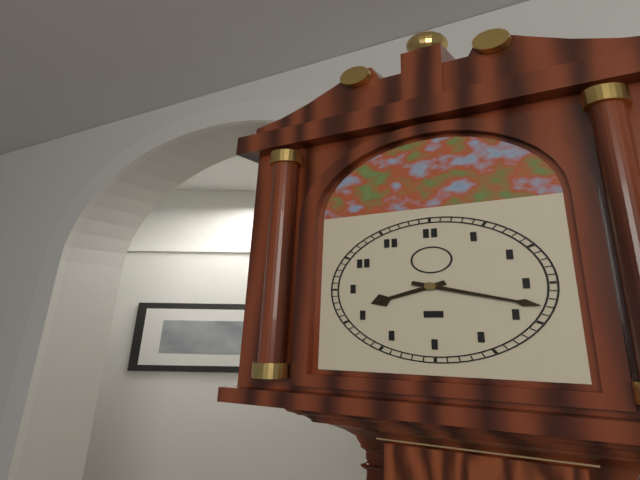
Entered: **8:18**
